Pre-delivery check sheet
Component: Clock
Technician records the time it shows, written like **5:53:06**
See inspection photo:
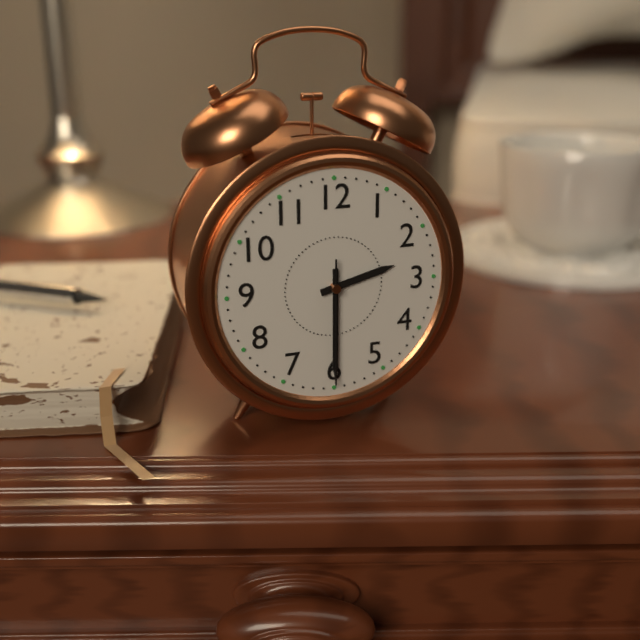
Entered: **2:30:30**
